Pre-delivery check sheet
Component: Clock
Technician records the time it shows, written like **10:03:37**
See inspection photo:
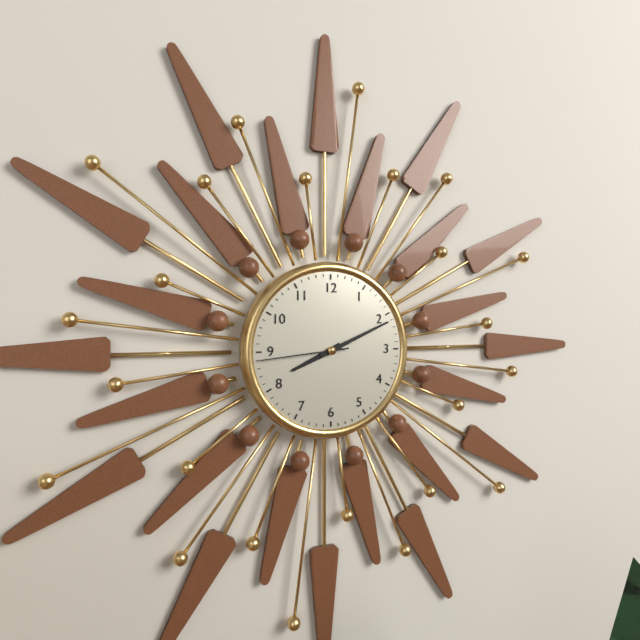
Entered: **8:11:44**
